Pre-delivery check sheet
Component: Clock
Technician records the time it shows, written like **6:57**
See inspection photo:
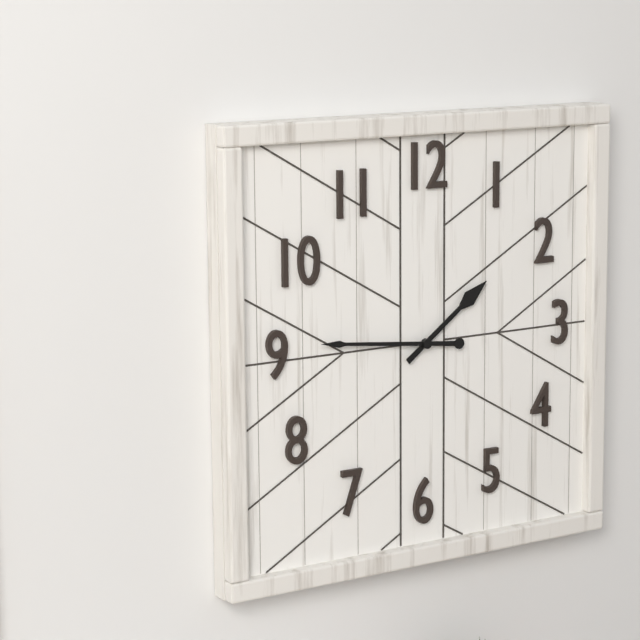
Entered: **1:46**
